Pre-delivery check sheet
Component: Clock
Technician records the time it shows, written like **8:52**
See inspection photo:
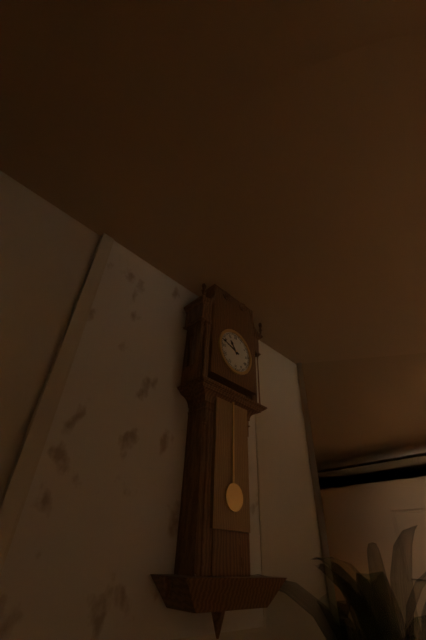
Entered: **10:48**
